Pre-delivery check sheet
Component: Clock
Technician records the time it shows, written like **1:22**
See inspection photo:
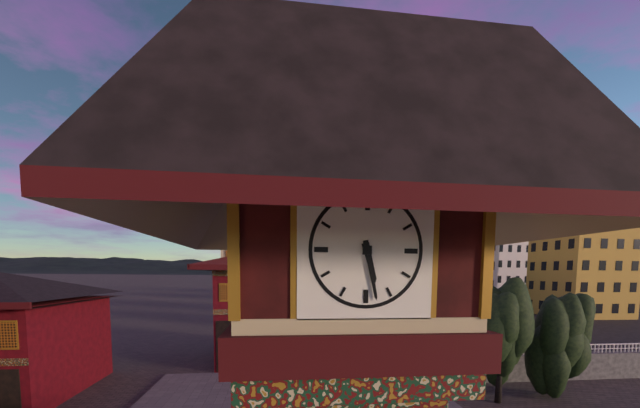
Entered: **5:28**
